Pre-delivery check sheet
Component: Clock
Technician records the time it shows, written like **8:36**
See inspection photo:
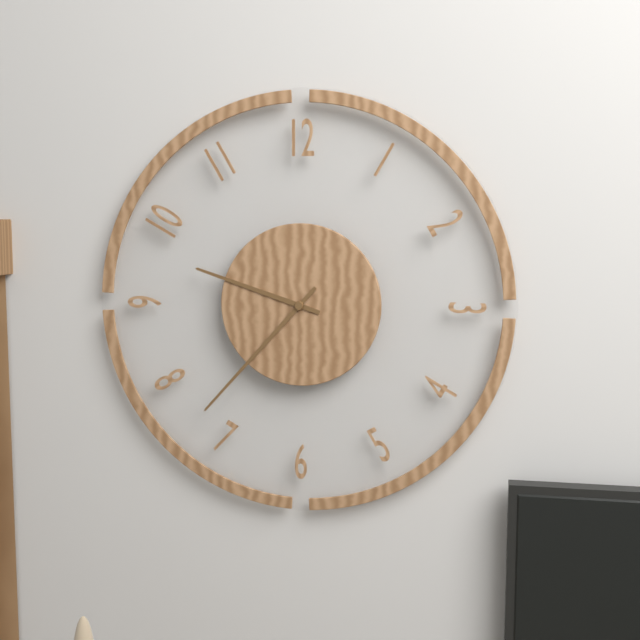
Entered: **9:37**
